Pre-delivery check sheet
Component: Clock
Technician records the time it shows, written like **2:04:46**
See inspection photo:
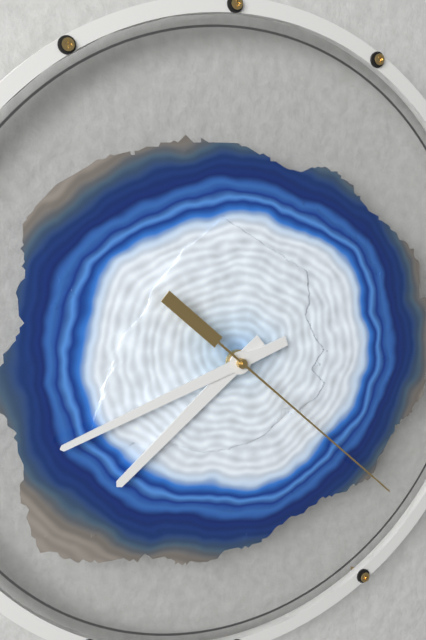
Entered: **7:42:22**
